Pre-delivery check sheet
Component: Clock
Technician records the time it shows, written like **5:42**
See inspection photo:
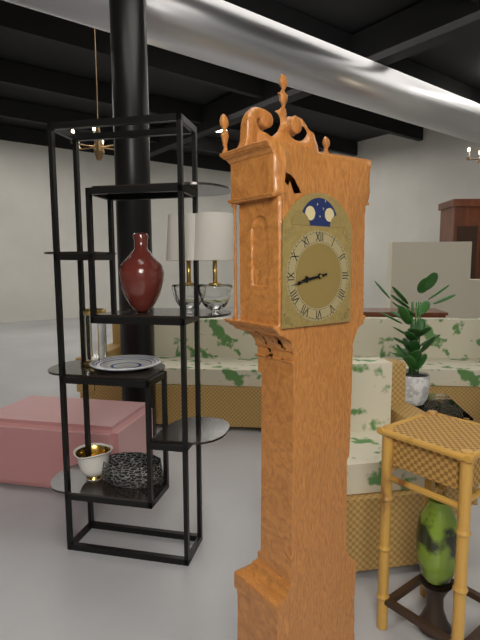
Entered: **8:43**
